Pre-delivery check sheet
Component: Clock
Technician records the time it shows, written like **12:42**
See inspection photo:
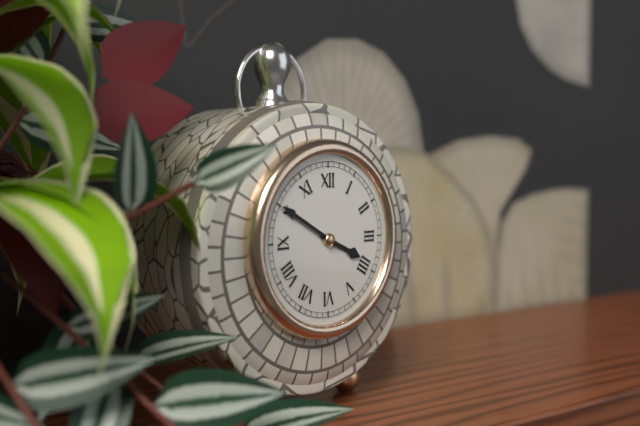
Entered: **3:50**
